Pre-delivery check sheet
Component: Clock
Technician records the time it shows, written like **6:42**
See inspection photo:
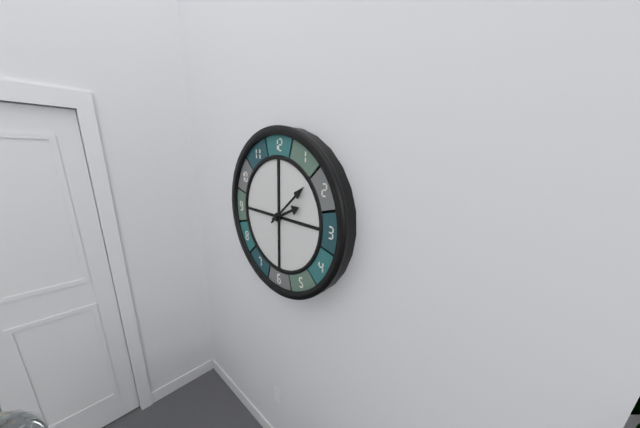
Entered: **2:08**
